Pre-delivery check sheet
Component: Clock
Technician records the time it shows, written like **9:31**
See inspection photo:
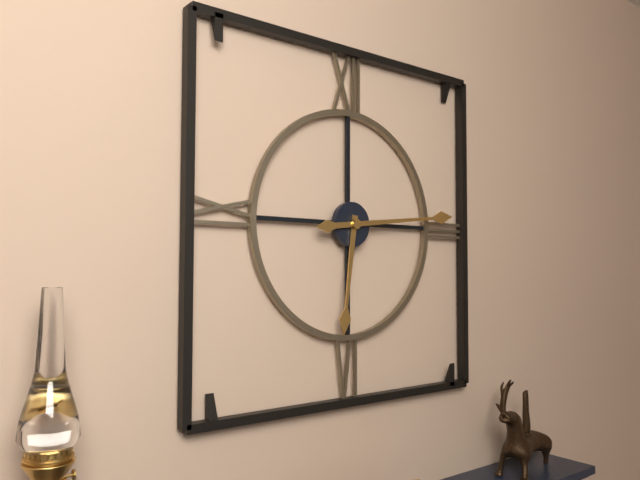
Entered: **6:14**
